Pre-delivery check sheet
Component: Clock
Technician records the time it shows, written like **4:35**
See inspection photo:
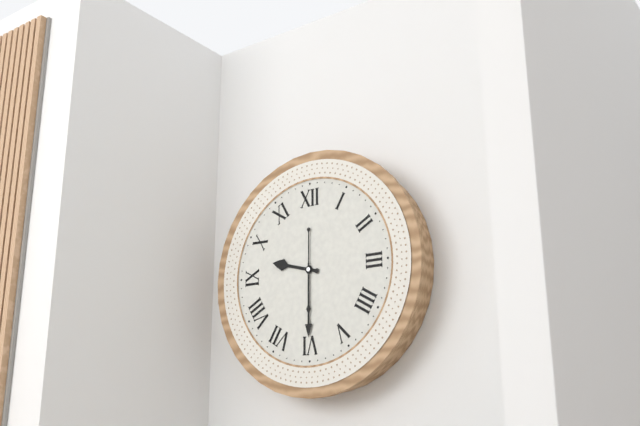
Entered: **9:30**
